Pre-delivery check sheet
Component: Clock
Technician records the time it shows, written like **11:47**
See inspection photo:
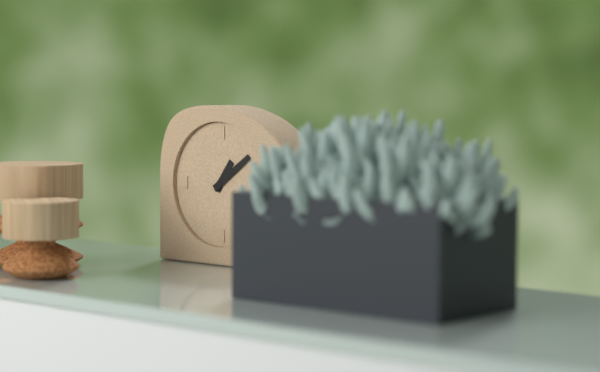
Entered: **1:09**
